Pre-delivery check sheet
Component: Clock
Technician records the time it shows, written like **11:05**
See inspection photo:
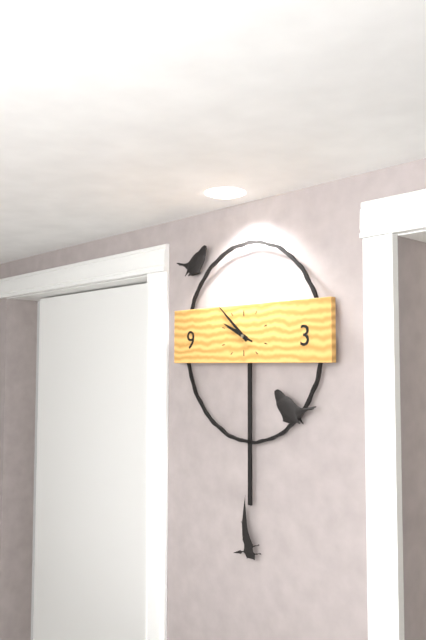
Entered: **9:52**
